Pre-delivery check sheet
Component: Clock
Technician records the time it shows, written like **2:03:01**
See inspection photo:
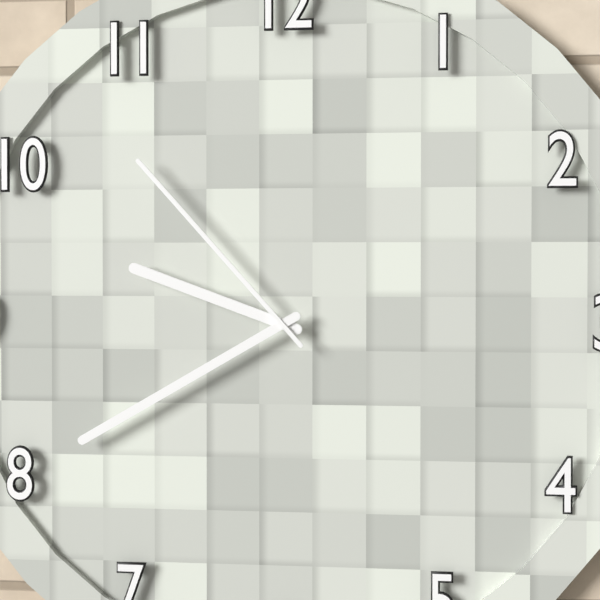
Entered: **9:40:53**
